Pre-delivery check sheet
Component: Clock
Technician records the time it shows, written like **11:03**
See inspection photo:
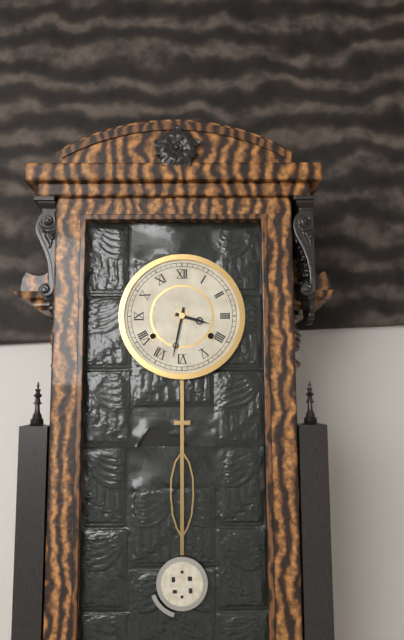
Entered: **3:32**
